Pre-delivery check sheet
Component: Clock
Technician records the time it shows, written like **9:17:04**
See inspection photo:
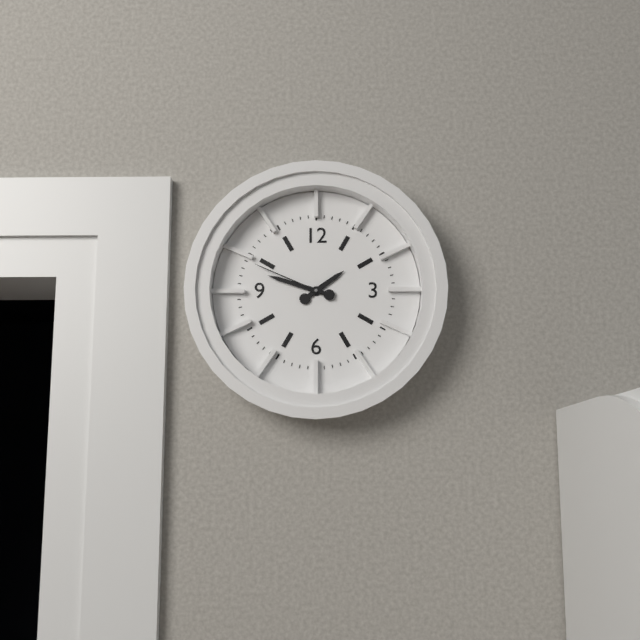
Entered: **1:48:49**
